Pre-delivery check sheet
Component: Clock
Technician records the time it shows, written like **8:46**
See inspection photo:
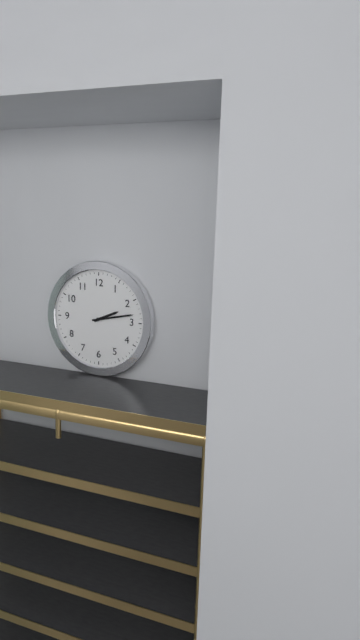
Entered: **2:13**
